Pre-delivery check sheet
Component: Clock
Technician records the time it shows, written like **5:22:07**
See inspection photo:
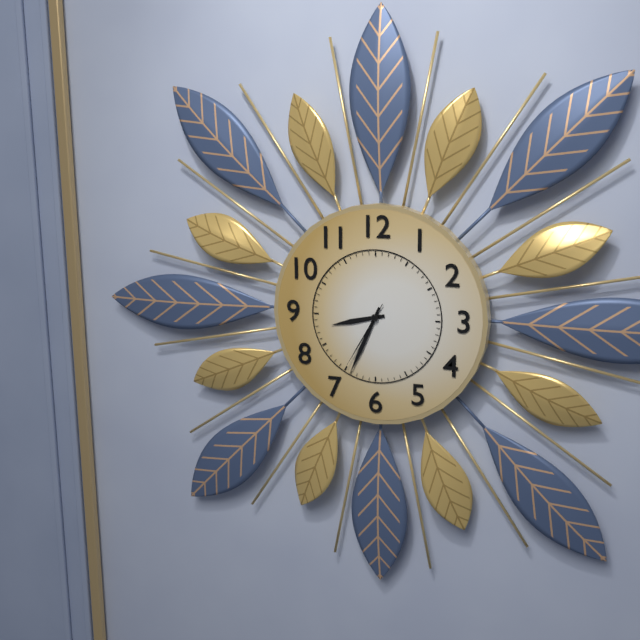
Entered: **8:34:35**
